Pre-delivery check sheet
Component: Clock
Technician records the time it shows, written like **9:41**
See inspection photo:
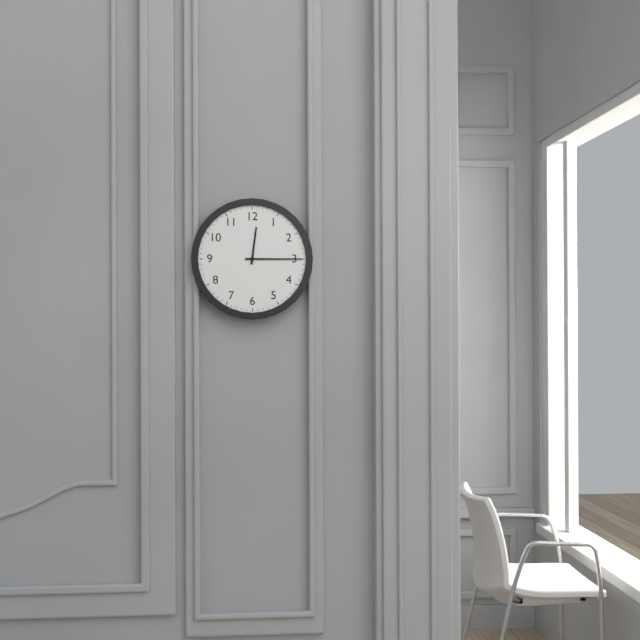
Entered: **12:15**
